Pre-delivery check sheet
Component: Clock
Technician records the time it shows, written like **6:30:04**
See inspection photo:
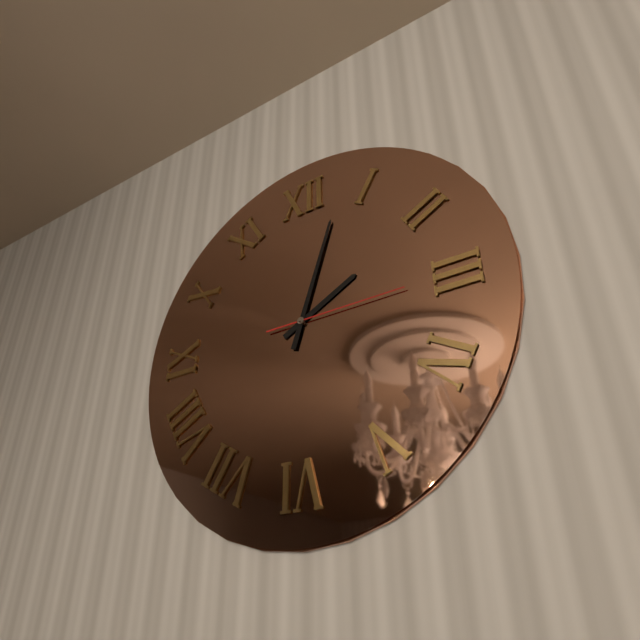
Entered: **2:03:15**
